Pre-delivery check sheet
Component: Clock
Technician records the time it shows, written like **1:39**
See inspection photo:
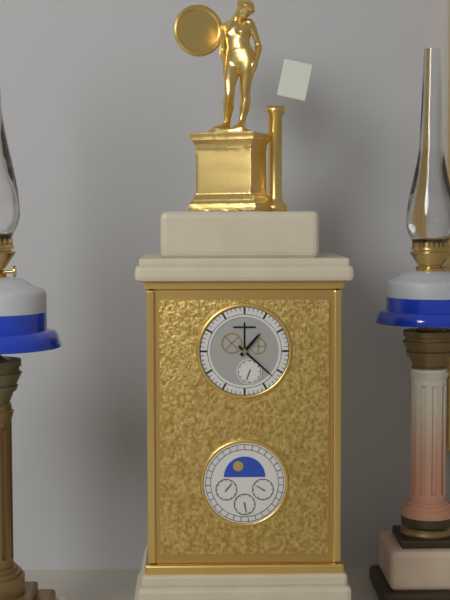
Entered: **1:22**
